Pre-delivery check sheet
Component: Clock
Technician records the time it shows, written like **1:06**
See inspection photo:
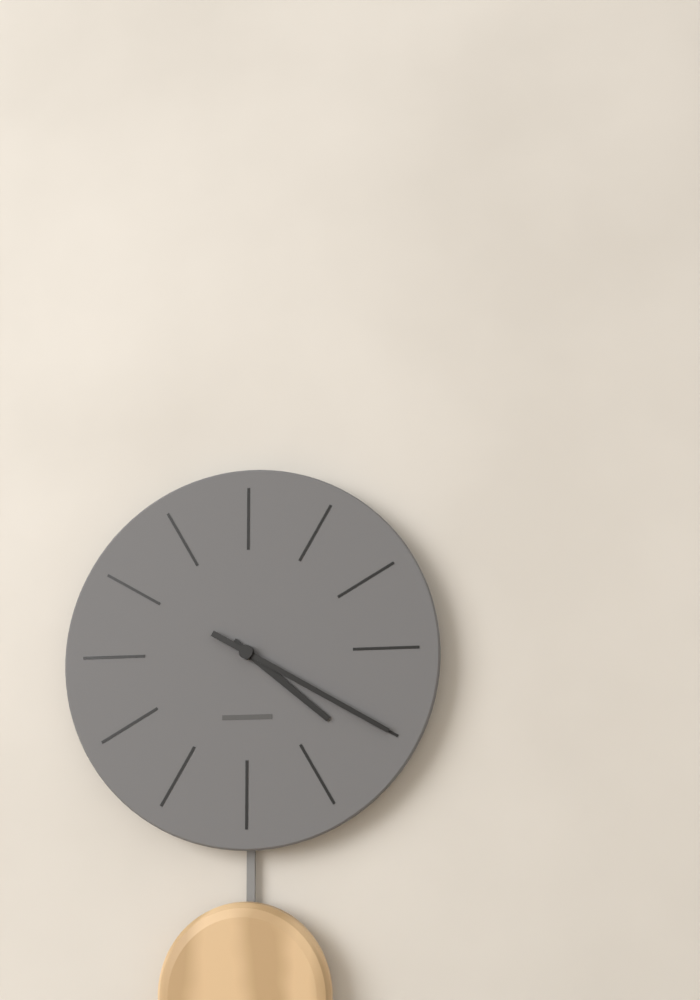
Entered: **4:20**
